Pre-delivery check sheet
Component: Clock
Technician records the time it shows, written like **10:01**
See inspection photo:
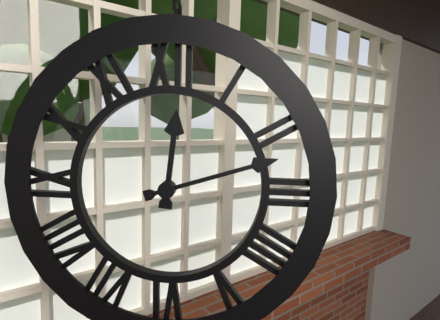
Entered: **12:12**
